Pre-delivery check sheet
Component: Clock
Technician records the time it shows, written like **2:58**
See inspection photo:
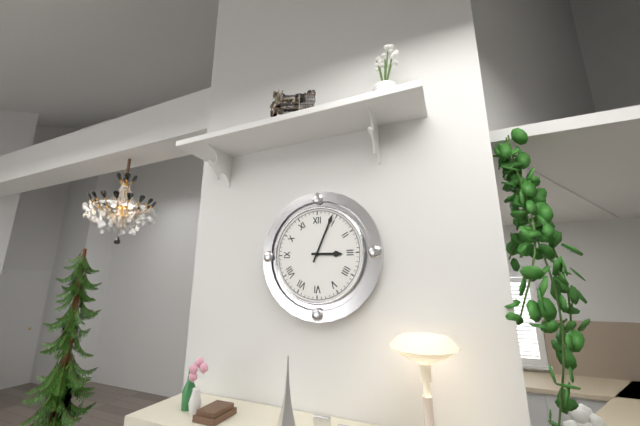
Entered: **3:04**
